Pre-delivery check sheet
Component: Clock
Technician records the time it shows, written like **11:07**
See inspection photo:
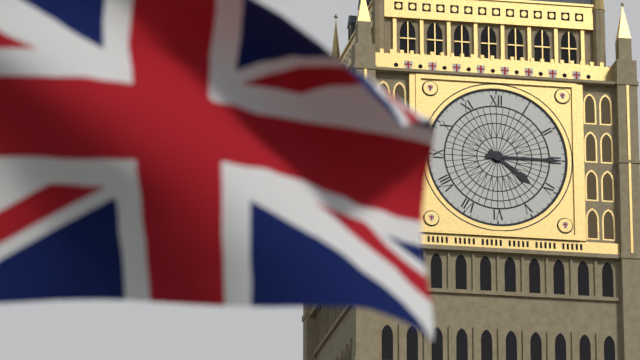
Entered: **4:15**
